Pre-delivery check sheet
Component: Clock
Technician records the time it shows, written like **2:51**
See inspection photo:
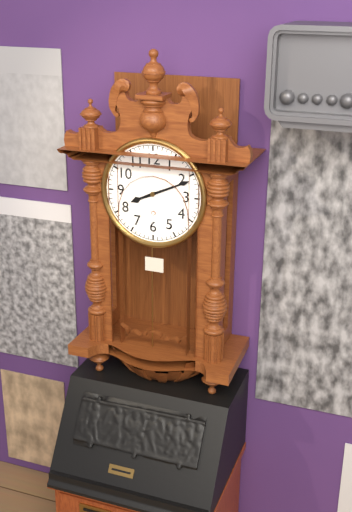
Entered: **8:11**
